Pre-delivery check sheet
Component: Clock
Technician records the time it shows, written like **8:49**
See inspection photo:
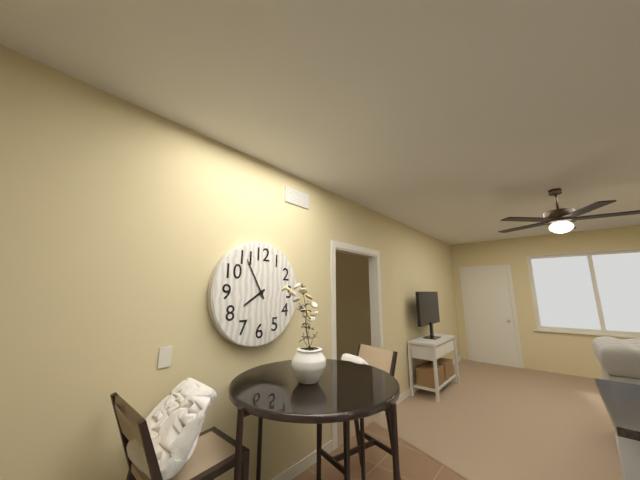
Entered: **7:55**
